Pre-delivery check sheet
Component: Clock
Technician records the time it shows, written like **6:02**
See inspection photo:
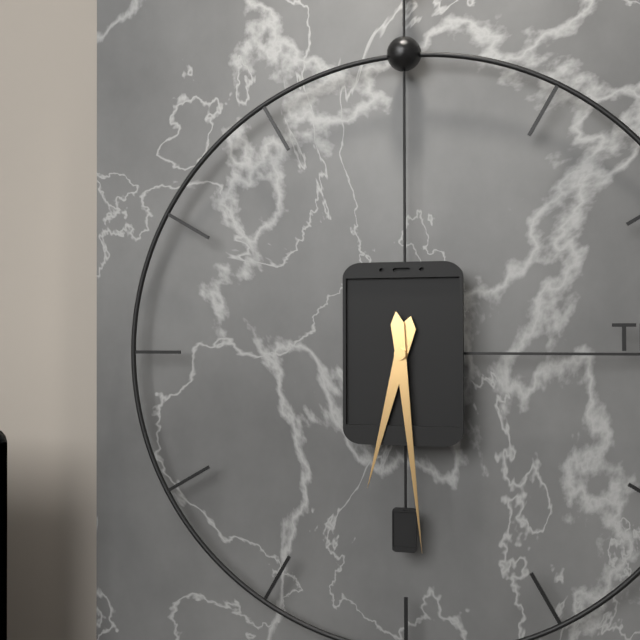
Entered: **6:29**
